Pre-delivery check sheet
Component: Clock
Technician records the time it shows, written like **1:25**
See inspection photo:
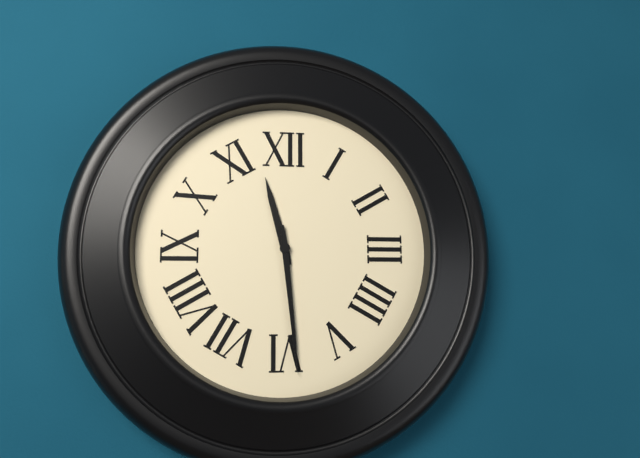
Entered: **11:29**
